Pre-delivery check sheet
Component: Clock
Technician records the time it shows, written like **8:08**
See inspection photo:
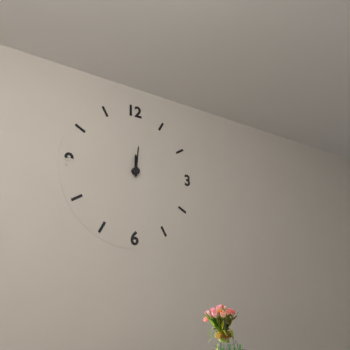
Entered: **12:01**
